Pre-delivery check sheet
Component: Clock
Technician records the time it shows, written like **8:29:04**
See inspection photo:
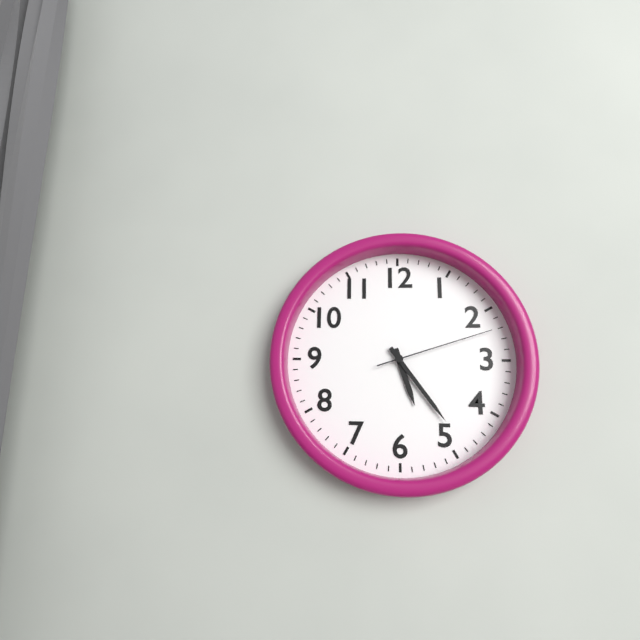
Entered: **5:24:12**
